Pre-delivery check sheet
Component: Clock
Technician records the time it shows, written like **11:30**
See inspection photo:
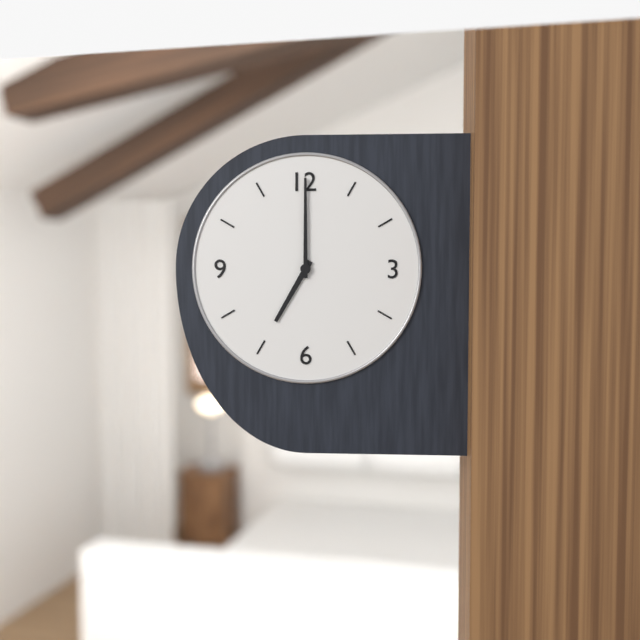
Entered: **7:00**
